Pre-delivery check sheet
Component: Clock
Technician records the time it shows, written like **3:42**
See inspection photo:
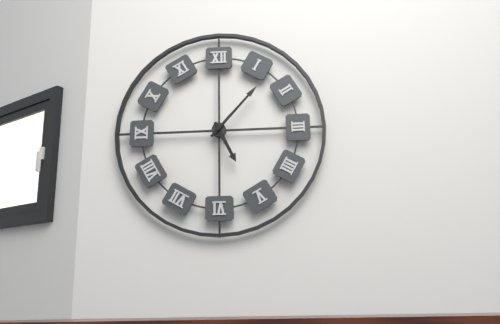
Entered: **5:07**
